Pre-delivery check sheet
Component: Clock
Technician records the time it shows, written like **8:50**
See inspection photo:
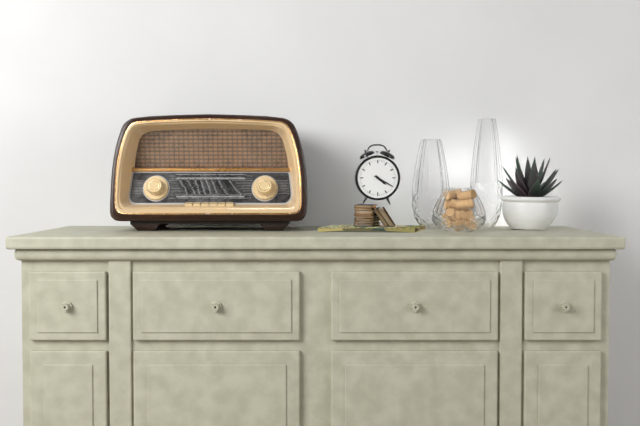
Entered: **4:20**
